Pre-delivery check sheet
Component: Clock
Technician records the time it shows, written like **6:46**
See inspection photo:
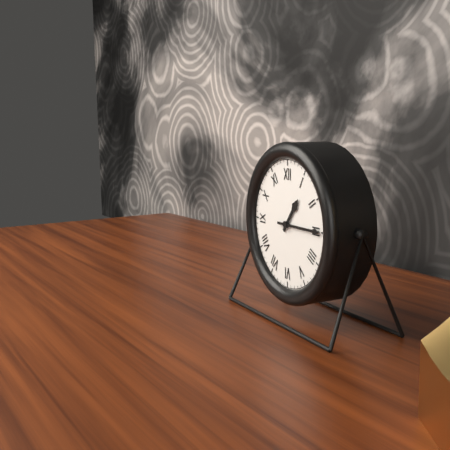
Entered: **1:15**
